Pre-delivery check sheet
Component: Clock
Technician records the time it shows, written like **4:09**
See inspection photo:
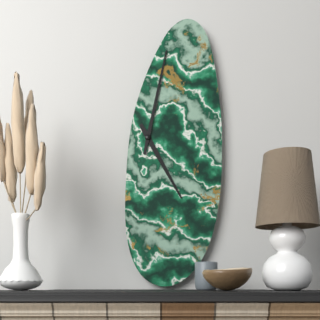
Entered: **5:02**
